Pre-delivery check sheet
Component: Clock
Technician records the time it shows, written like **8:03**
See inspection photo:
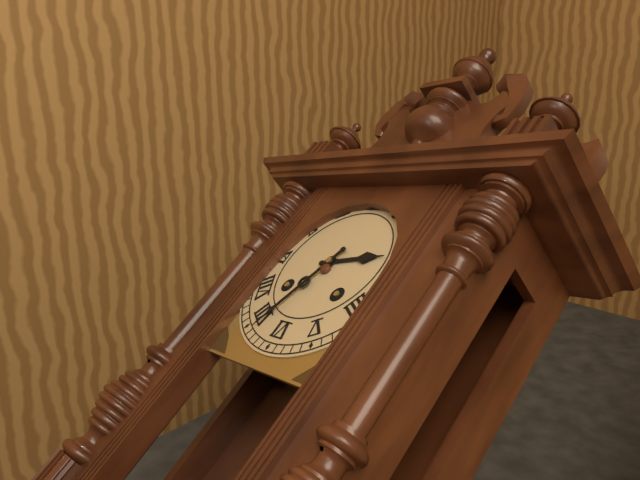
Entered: **2:34**
